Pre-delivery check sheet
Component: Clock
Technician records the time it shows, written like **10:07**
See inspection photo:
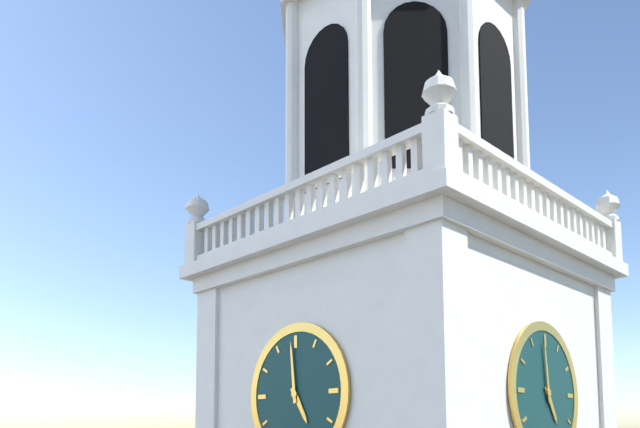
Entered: **4:59**
